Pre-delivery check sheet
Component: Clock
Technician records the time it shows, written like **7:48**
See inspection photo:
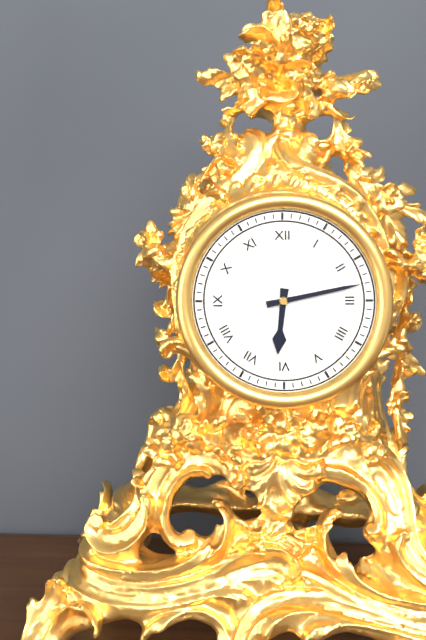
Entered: **6:13**
